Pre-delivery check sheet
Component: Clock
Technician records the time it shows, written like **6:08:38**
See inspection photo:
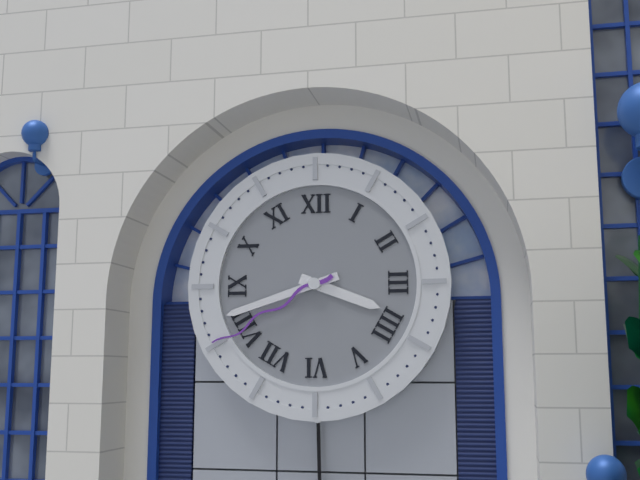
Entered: **3:42:40**
